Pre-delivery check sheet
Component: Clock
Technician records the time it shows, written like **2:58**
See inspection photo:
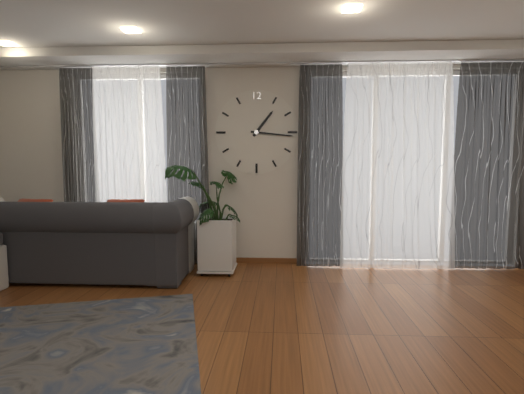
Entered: **1:16**
